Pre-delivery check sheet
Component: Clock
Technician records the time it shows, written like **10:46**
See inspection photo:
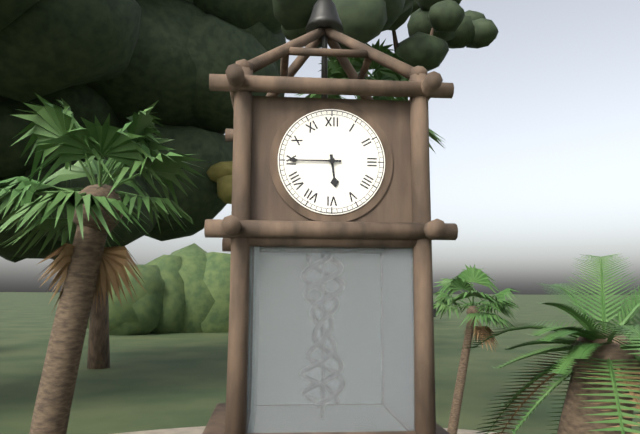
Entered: **5:45**
